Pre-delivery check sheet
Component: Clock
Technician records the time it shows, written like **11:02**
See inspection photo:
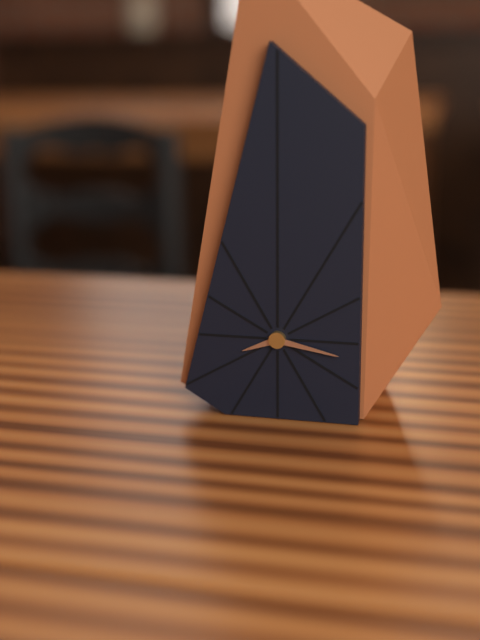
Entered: **8:17**
